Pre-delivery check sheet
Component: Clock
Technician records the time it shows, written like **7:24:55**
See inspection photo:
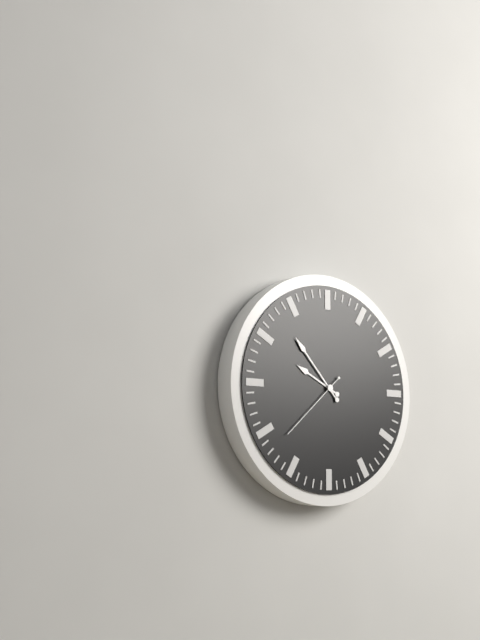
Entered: **9:53:38**
